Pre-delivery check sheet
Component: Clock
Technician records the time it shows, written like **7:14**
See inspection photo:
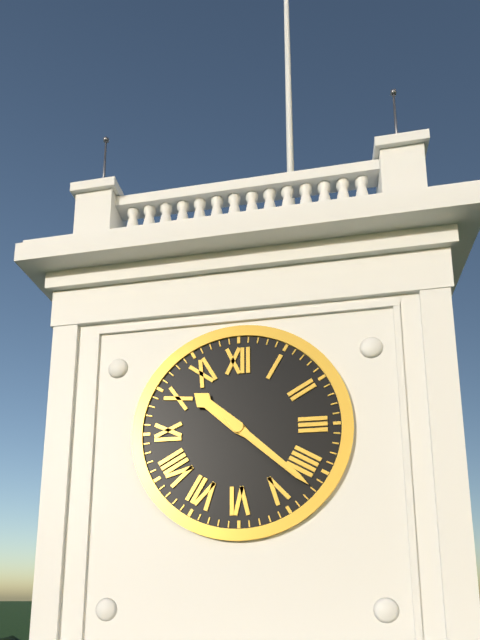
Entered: **10:22**
